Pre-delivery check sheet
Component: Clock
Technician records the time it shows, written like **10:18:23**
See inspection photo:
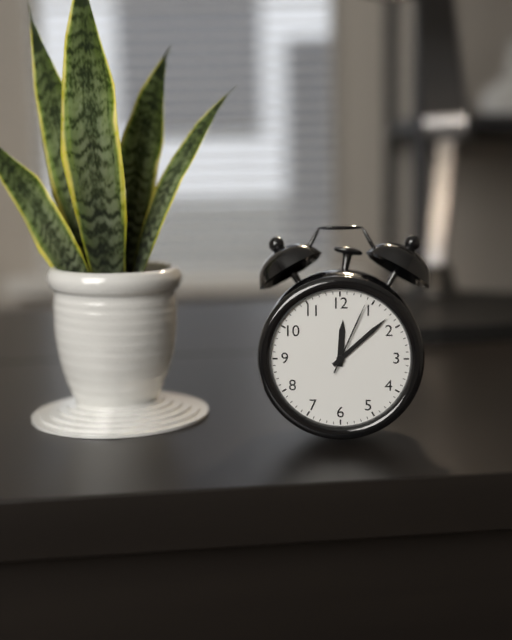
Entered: **12:08:04**
